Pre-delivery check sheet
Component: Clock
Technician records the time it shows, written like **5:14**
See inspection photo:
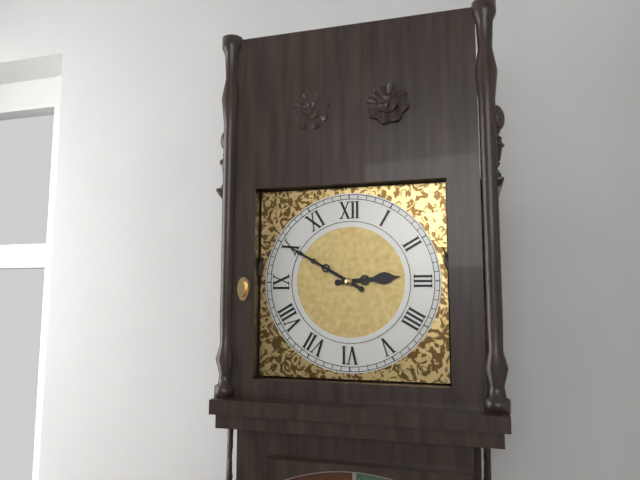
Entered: **2:50**
